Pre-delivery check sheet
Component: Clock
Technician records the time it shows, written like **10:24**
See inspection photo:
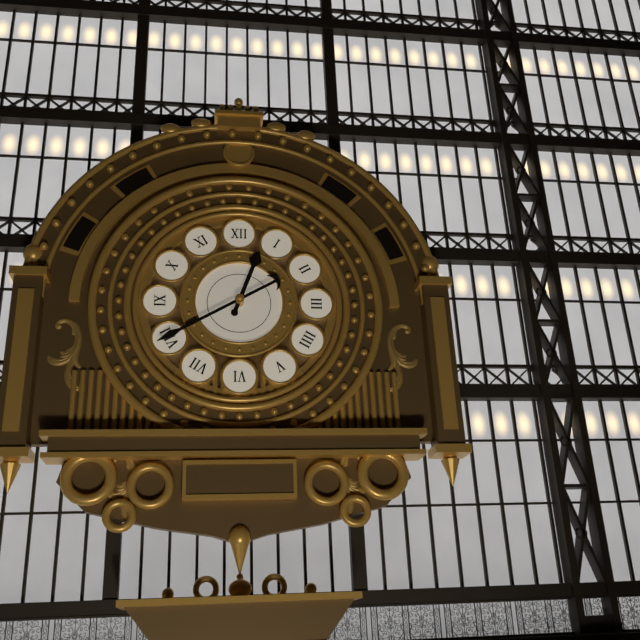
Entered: **12:40**
